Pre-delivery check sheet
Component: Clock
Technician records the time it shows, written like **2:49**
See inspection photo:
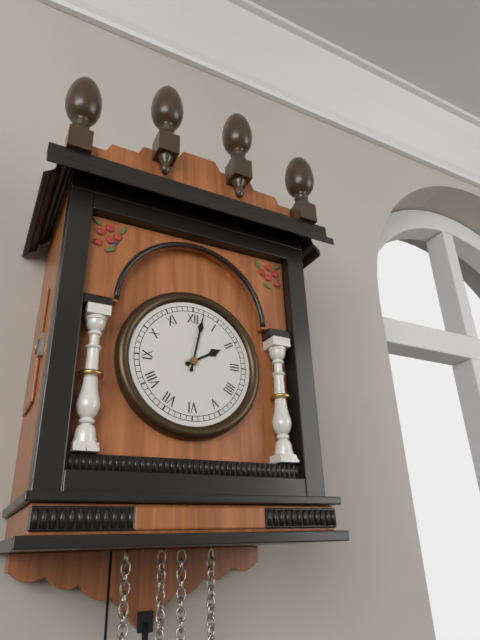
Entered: **2:02**
